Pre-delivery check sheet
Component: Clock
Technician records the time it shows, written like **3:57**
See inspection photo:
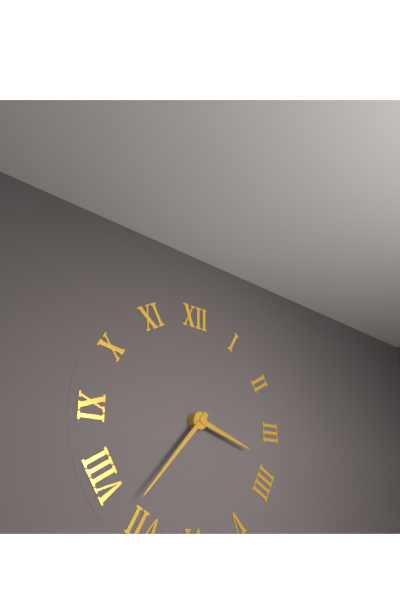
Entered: **3:37**
